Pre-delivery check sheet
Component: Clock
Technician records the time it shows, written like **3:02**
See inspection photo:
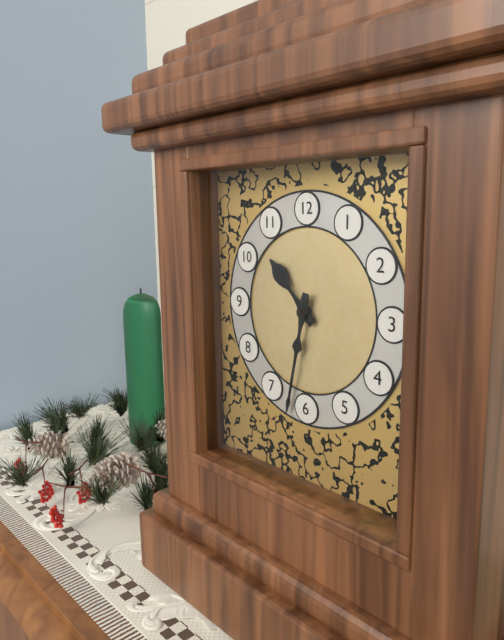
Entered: **10:32**
